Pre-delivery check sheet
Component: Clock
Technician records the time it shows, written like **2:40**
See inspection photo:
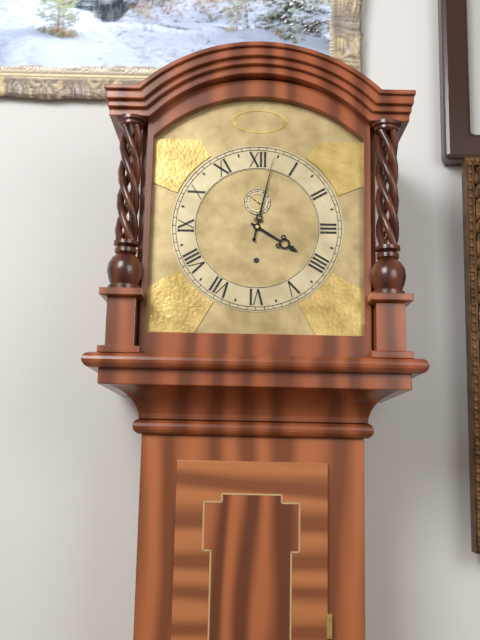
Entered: **4:02**
